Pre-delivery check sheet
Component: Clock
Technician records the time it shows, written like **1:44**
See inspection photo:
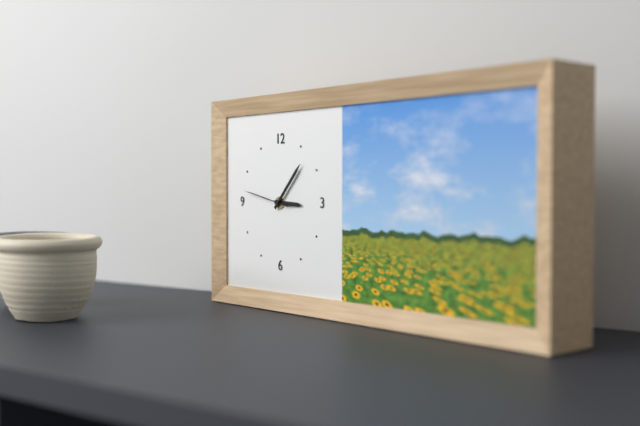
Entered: **3:07**
